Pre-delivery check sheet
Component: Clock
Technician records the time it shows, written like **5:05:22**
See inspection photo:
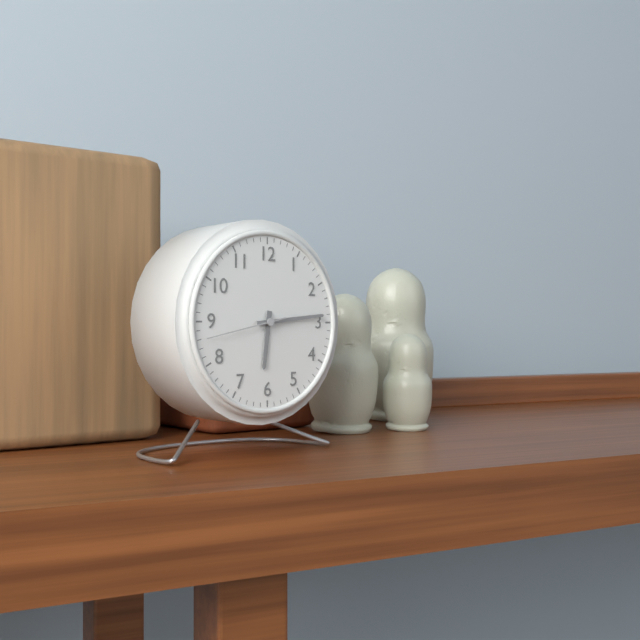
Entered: **6:14:43**
